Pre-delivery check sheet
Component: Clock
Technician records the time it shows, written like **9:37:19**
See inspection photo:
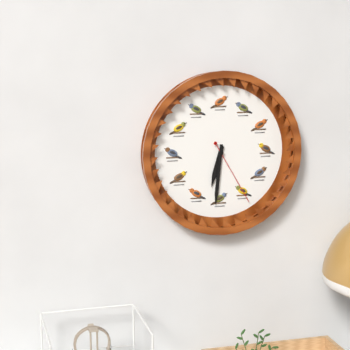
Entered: **6:31:25**
